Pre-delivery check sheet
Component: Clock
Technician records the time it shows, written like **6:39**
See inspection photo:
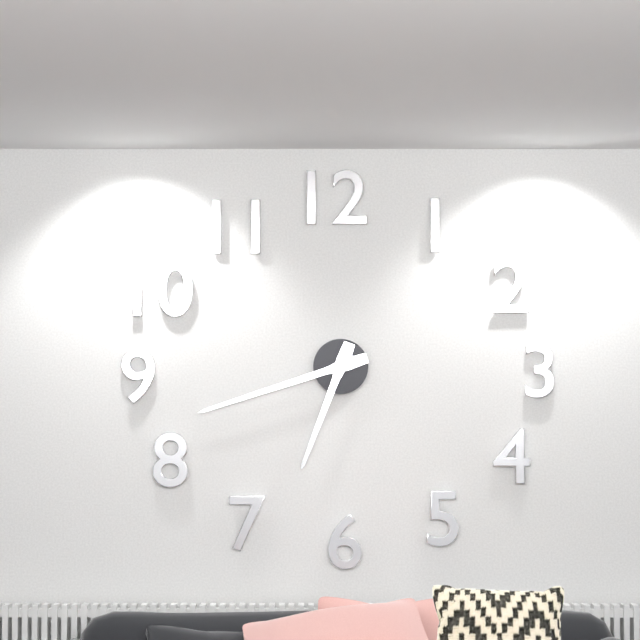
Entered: **6:42**
